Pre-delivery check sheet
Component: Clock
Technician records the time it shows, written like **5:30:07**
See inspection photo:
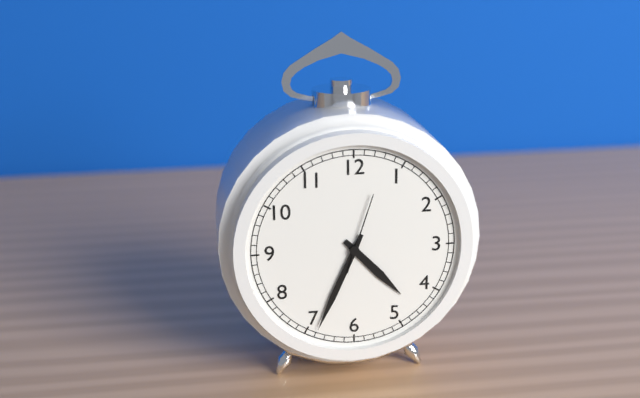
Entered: **4:34:03**
